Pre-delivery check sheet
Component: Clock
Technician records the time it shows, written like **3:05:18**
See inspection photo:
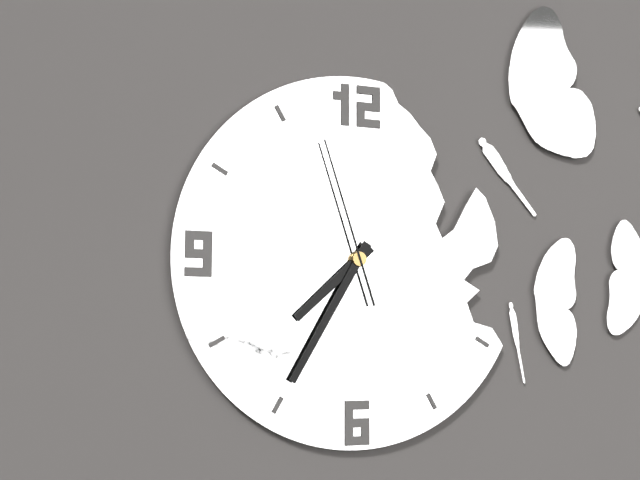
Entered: **7:35:57**
